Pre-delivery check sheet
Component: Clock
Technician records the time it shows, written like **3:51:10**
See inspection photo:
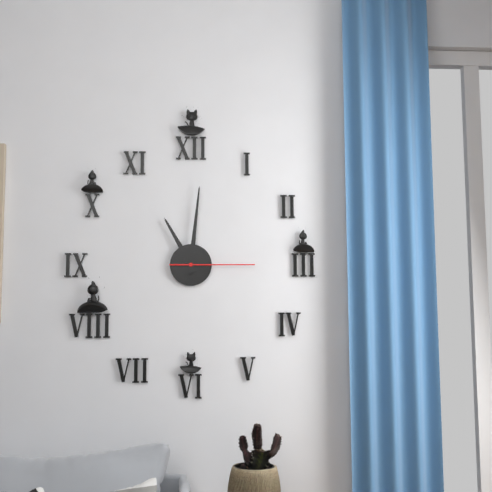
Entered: **11:01:15**
